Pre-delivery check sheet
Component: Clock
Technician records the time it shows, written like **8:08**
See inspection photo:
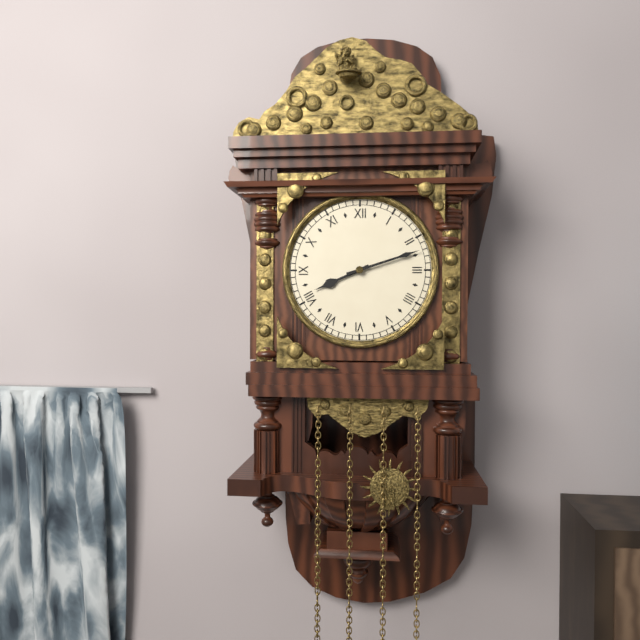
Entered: **8:12**
